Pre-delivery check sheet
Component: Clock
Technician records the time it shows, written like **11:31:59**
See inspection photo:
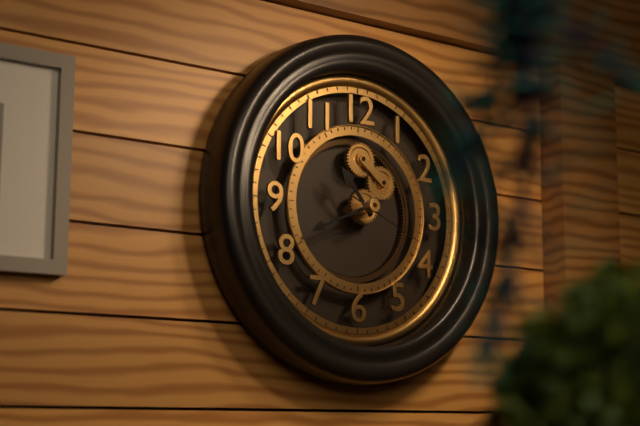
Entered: **10:41:19**
